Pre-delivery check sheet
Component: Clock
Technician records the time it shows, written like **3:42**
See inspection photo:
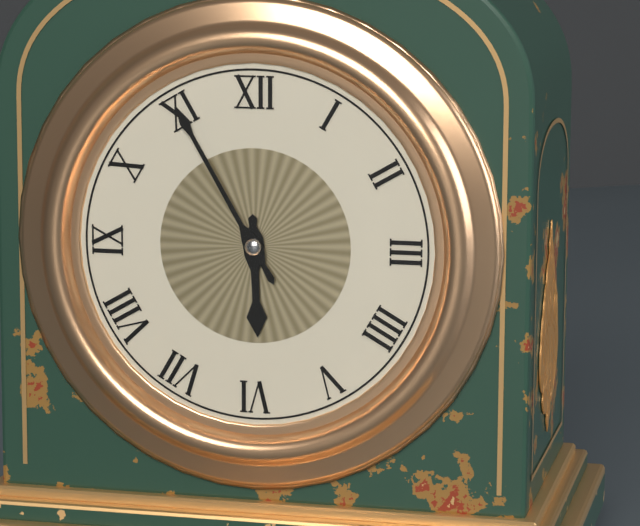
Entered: **5:55**
